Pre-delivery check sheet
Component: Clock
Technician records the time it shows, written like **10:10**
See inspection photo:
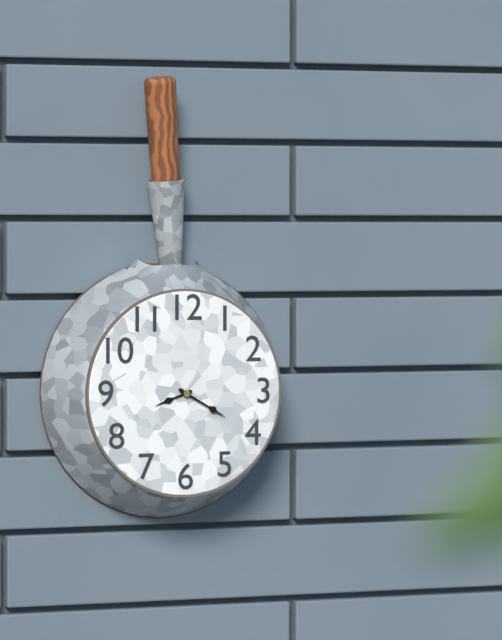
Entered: **8:20**
